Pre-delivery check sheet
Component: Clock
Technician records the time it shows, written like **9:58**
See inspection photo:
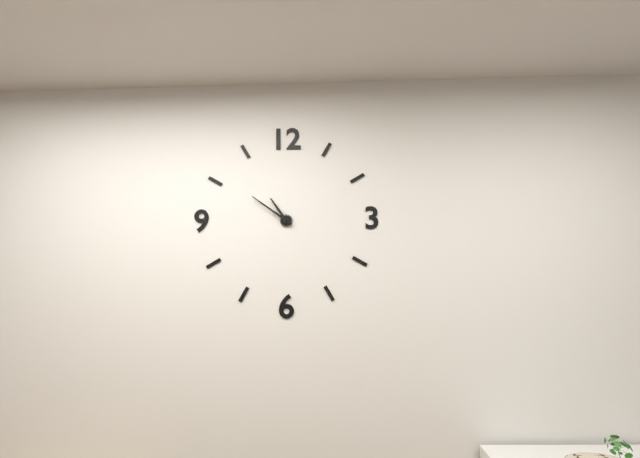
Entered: **10:51**
